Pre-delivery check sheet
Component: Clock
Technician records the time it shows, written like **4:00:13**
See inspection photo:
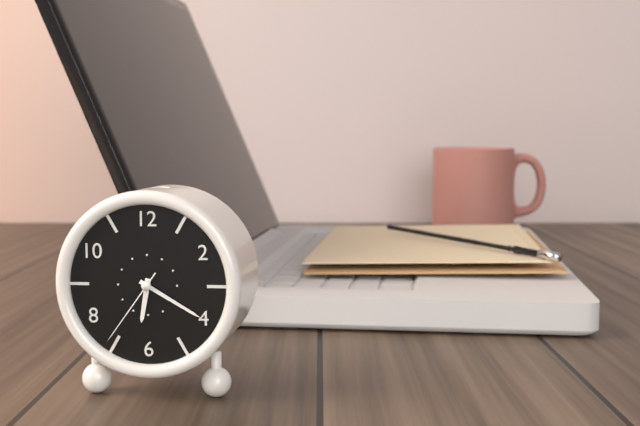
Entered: **6:20:36**
